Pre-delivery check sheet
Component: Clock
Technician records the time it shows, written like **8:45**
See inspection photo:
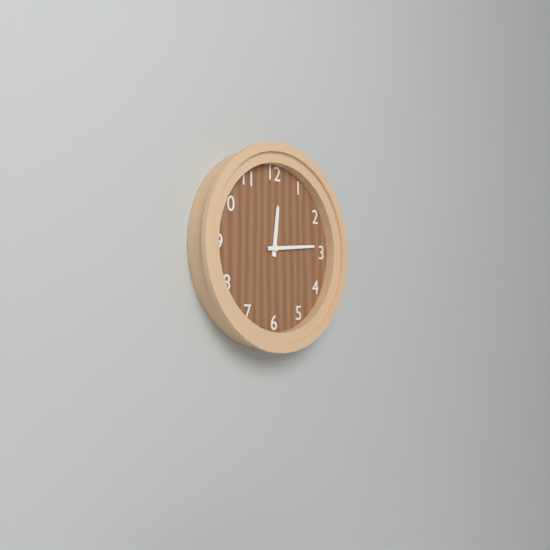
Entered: **12:14**
